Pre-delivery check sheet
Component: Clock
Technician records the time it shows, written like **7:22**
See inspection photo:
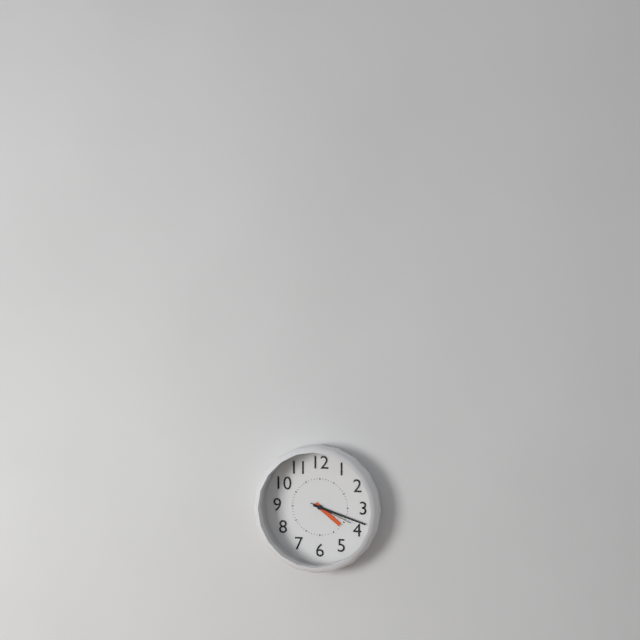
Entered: **4:18**
